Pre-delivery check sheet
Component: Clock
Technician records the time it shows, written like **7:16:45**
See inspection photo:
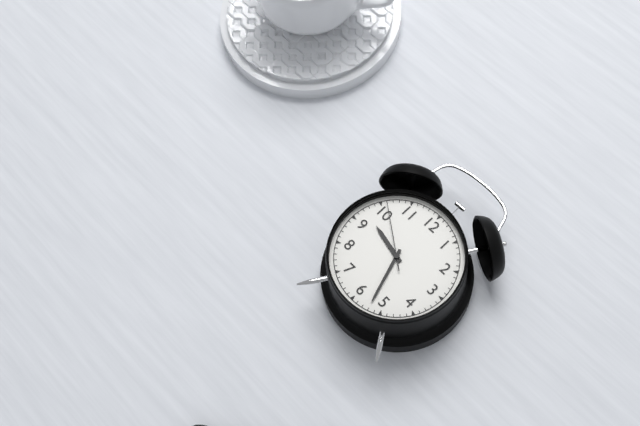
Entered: **9:27:51**
